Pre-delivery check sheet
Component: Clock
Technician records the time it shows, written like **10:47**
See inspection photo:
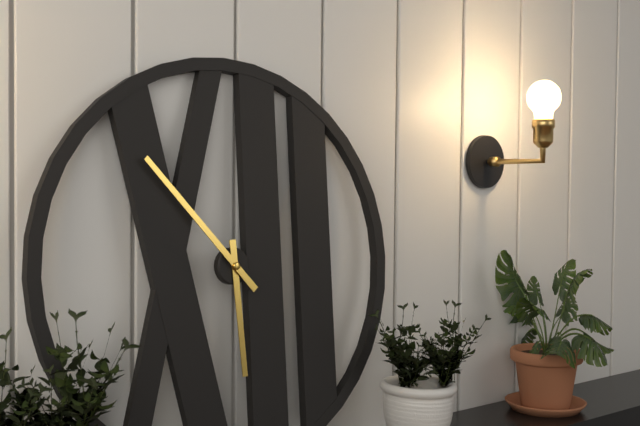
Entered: **5:53**
